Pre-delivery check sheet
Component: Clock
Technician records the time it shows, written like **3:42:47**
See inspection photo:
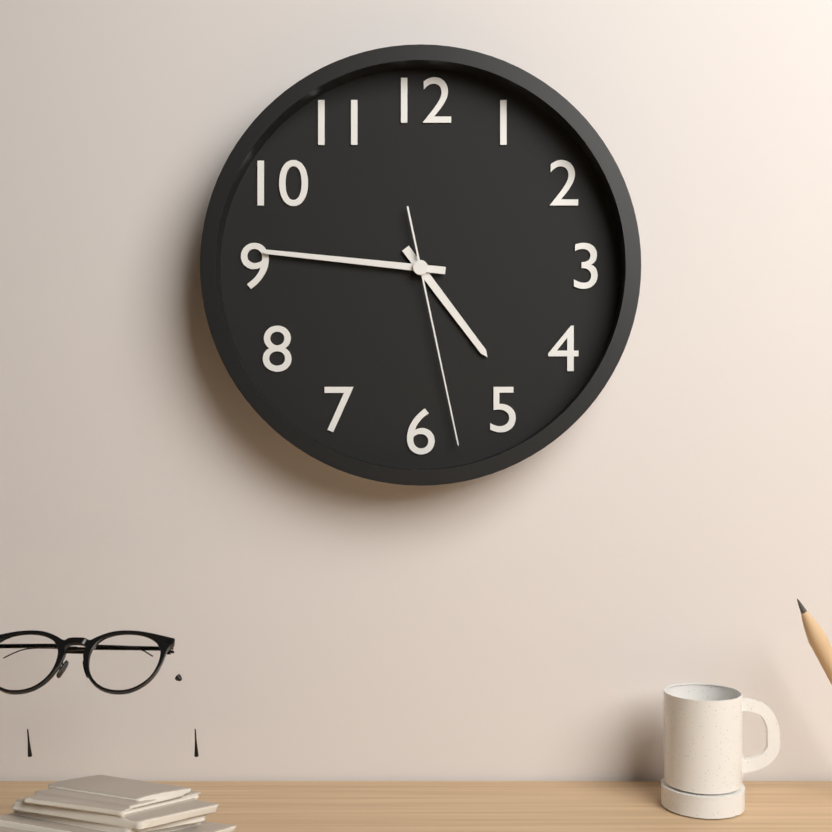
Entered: **4:46:28**
